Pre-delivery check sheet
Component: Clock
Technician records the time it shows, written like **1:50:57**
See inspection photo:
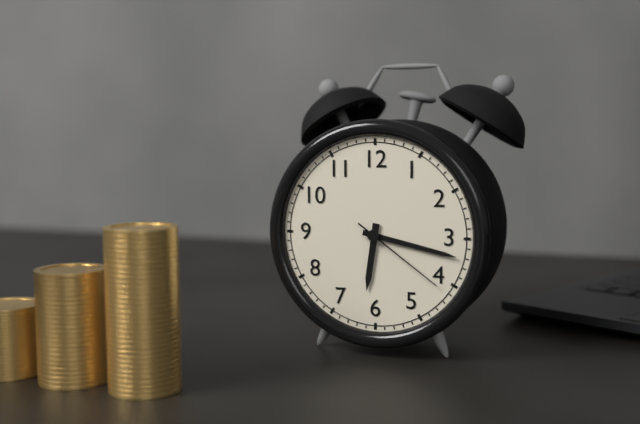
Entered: **6:17:21**
